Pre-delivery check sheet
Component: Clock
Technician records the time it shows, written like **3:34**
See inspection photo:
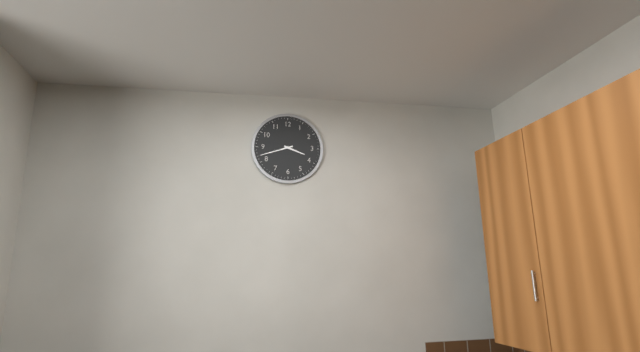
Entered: **3:42**
